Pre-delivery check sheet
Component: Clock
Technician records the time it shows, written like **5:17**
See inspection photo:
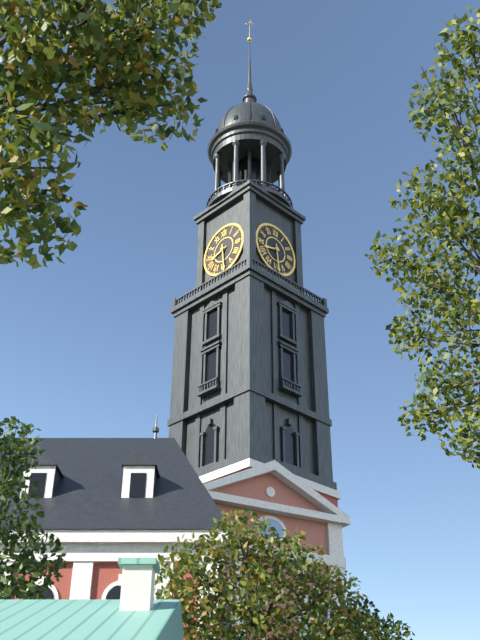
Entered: **8:29**
